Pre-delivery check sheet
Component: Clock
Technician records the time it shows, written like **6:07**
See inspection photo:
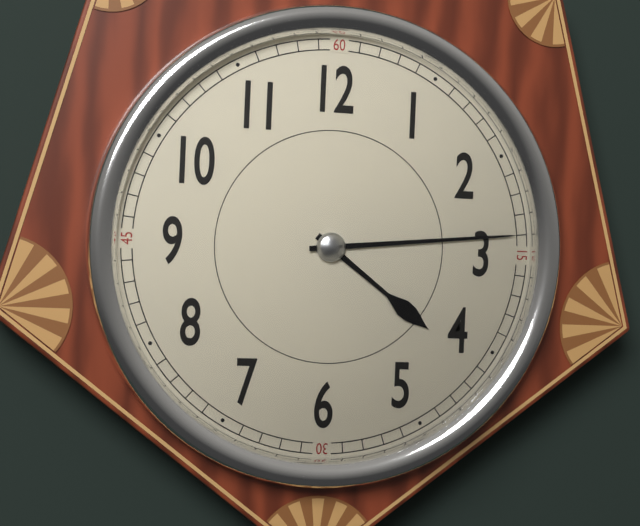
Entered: **4:14**
